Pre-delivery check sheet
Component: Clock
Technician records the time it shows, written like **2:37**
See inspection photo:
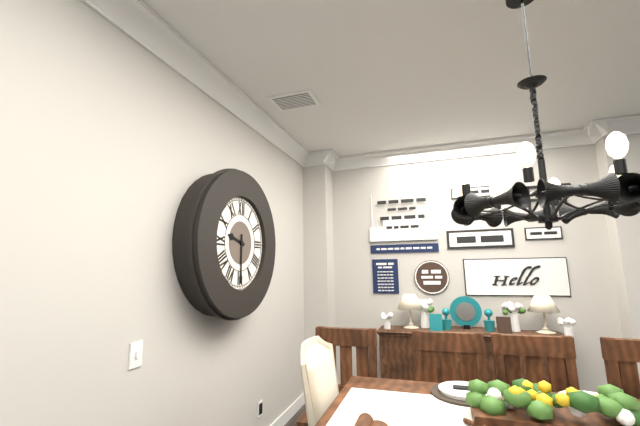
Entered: **9:30**
